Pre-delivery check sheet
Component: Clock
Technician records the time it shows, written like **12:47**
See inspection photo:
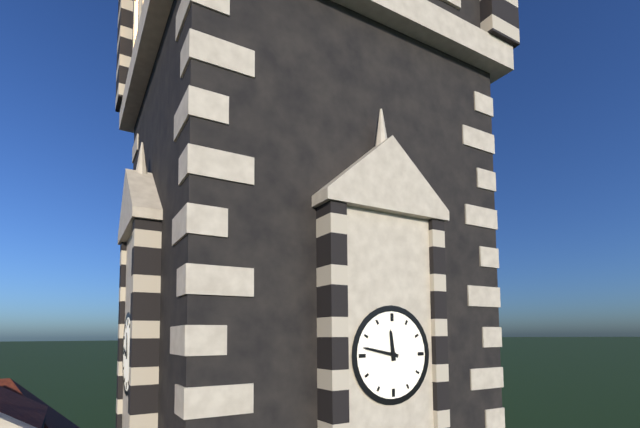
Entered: **11:47**
